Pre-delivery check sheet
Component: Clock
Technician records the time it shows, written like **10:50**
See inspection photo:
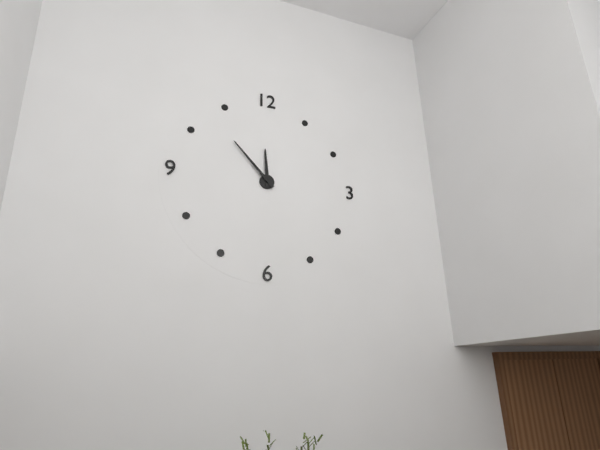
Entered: **11:53**
